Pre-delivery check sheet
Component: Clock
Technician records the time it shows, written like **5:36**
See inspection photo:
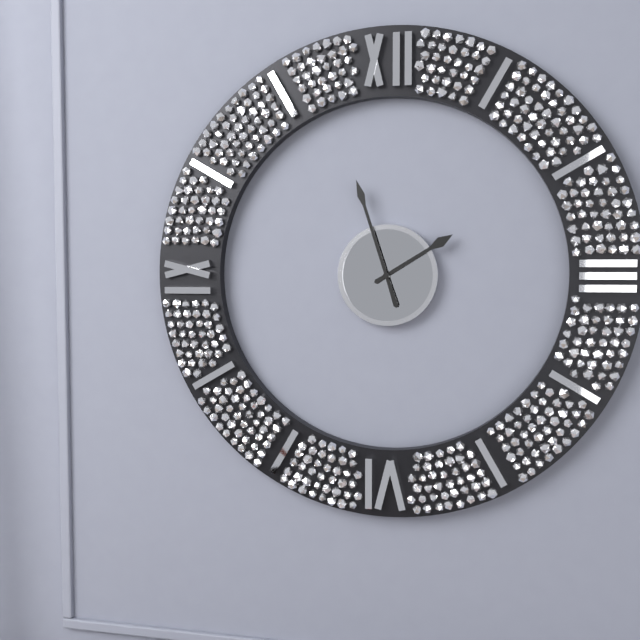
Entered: **1:57**
